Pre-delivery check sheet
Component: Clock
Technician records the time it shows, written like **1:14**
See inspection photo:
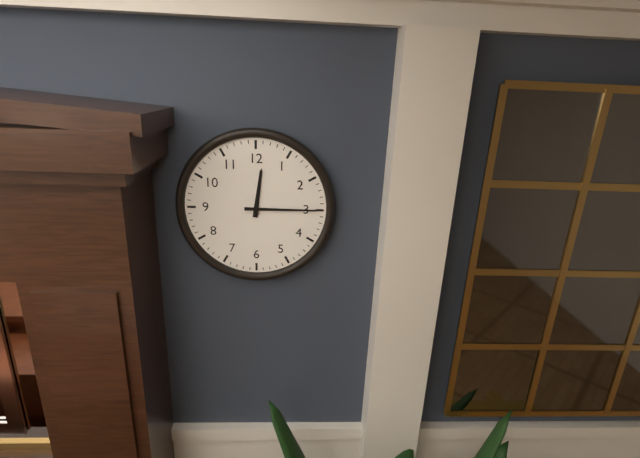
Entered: **12:15**
